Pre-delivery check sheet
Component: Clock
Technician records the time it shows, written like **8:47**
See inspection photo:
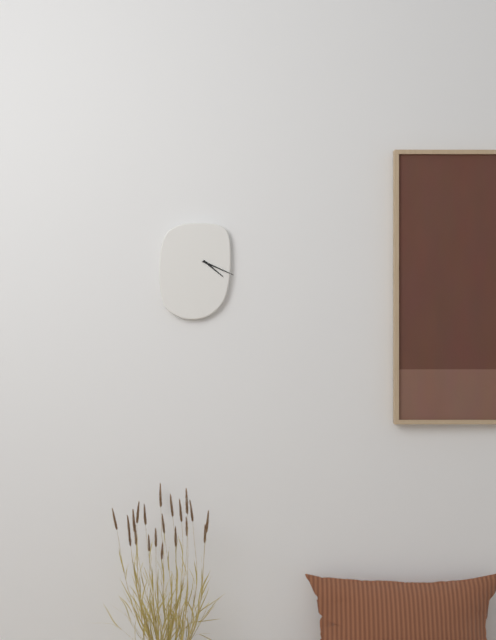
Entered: **4:19**
